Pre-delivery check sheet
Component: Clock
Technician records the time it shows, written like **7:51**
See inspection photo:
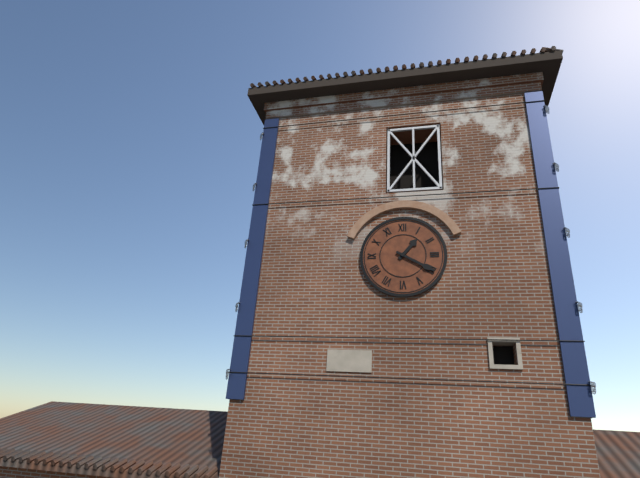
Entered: **1:20**
